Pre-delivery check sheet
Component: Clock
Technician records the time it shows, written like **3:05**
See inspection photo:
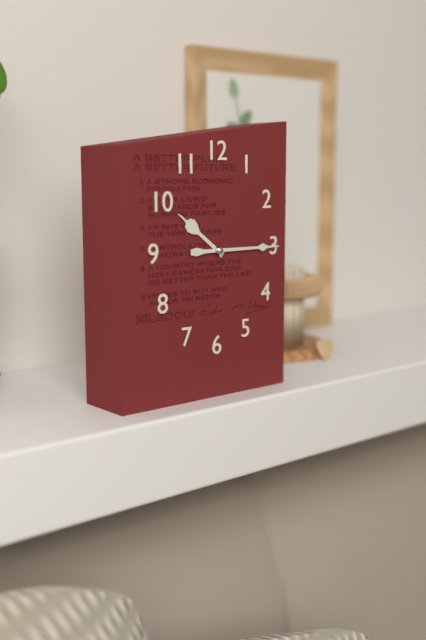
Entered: **10:15**
